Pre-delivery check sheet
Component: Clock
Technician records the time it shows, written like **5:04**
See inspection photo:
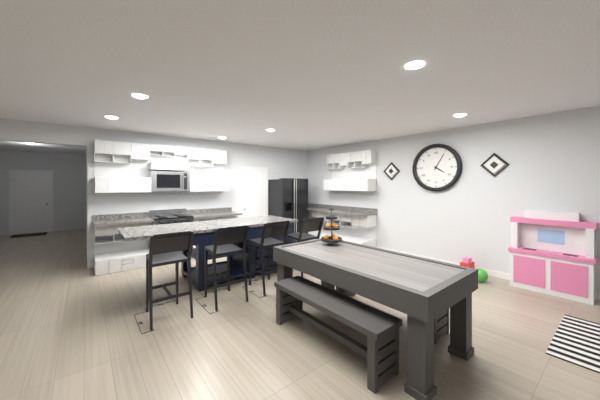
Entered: **4:05**
